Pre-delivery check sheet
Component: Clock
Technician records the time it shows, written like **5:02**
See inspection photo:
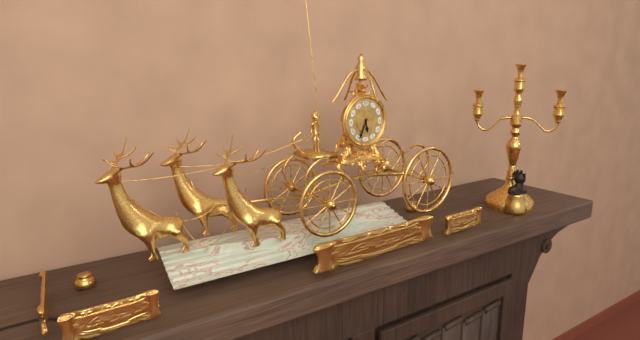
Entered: **5:34**
